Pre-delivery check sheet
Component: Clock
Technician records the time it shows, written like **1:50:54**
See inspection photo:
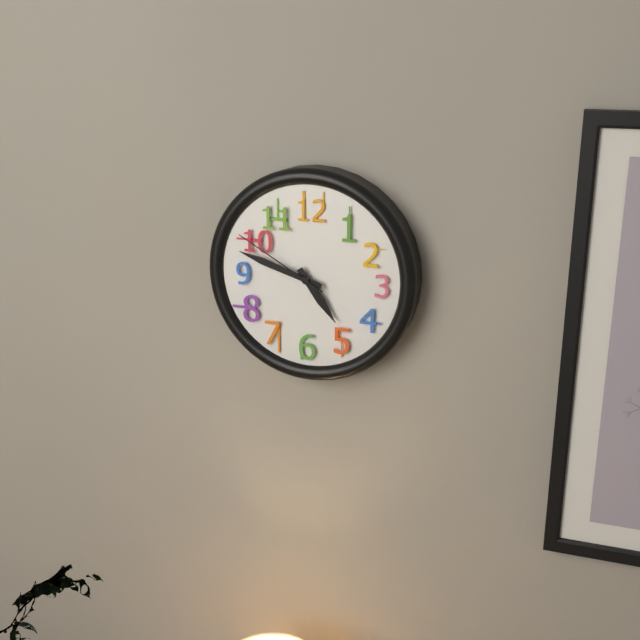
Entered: **4:48:50**
